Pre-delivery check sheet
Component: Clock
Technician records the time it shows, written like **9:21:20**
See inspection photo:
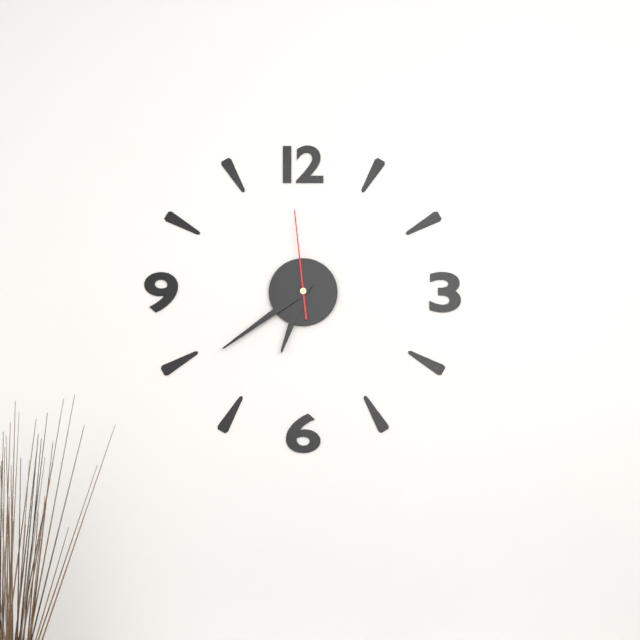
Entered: **6:39:59**
